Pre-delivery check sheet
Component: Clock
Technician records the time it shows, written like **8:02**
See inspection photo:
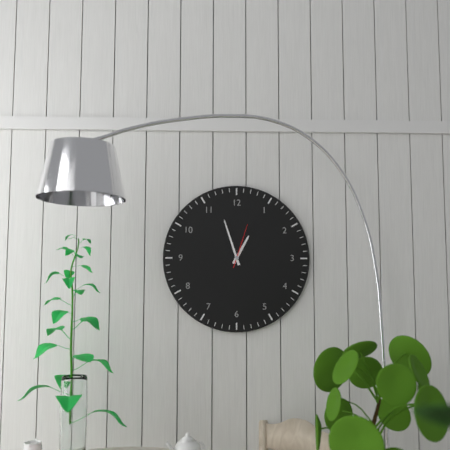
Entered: **12:57**
